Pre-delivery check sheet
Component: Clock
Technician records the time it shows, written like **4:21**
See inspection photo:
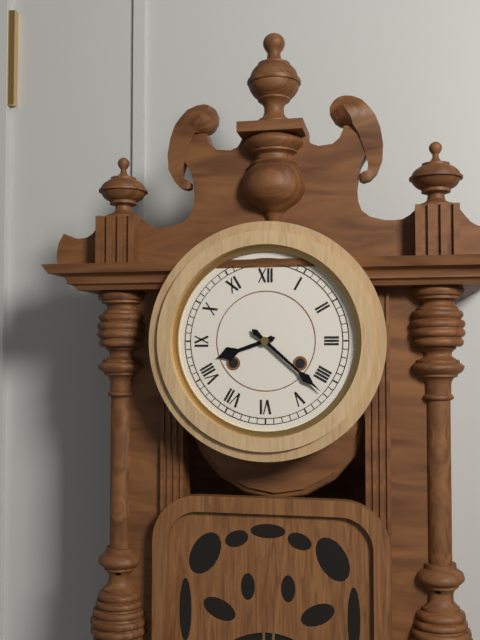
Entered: **8:22**
